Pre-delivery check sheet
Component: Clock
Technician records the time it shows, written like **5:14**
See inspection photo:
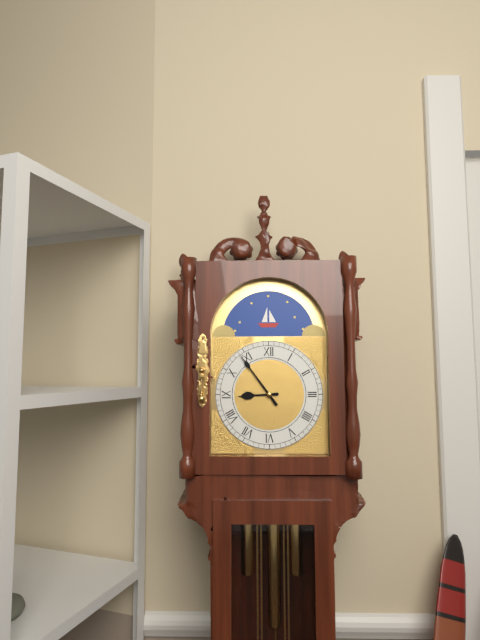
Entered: **8:54**
